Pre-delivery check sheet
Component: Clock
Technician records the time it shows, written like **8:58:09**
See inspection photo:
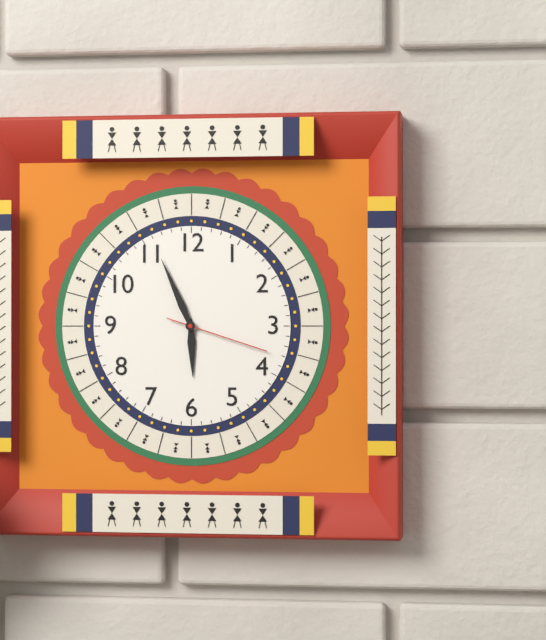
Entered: **5:56:18**
